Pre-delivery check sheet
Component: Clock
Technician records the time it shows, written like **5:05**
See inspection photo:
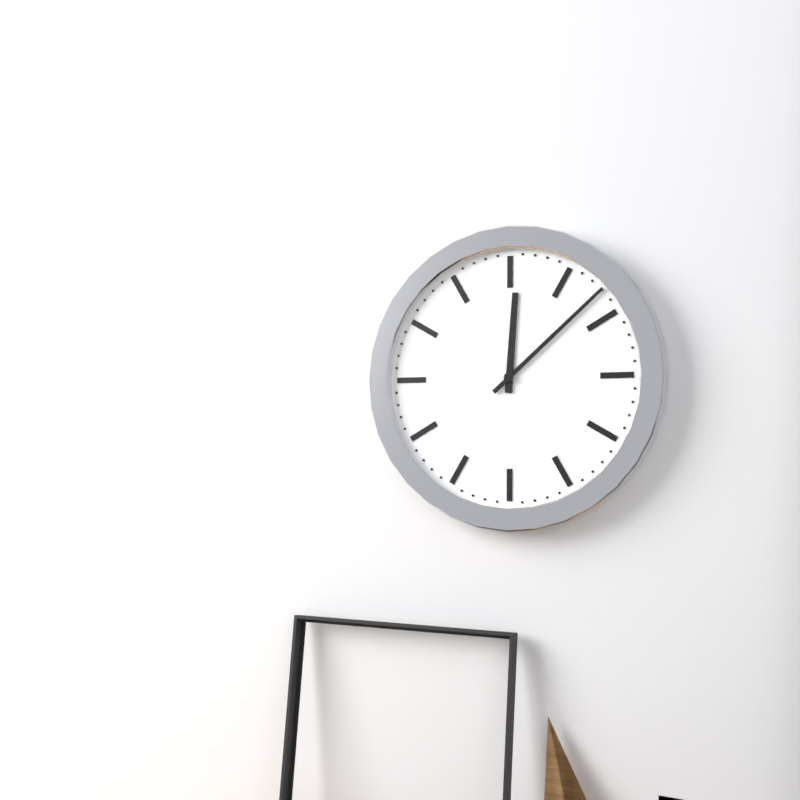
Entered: **12:08**
